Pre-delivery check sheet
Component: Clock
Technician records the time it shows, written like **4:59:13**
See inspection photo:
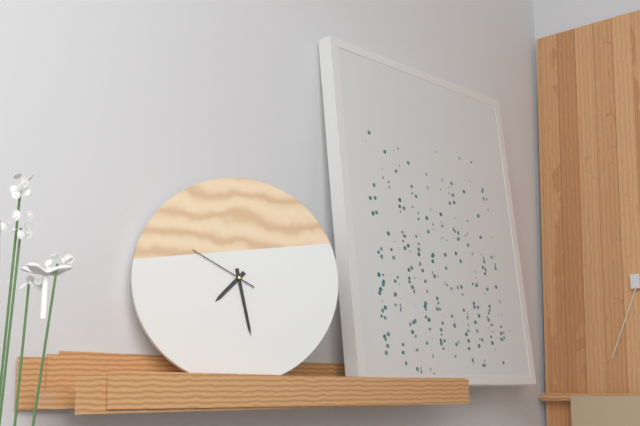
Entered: **7:28:50**
